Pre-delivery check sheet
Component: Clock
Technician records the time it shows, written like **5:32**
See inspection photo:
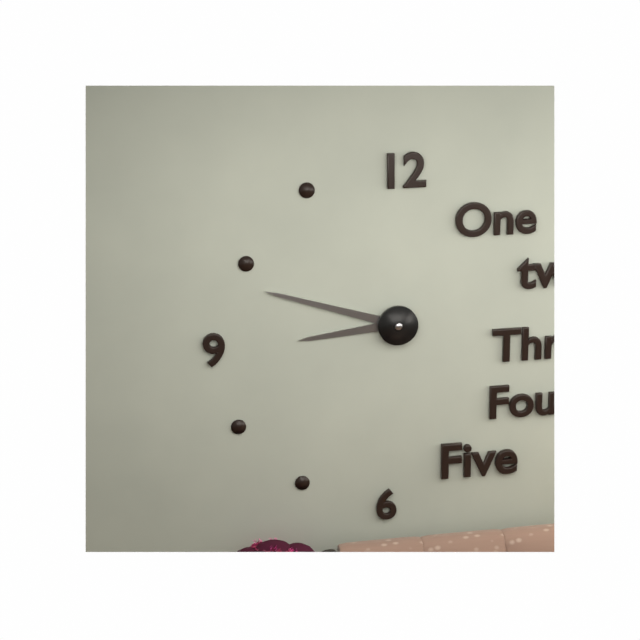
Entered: **8:48**
